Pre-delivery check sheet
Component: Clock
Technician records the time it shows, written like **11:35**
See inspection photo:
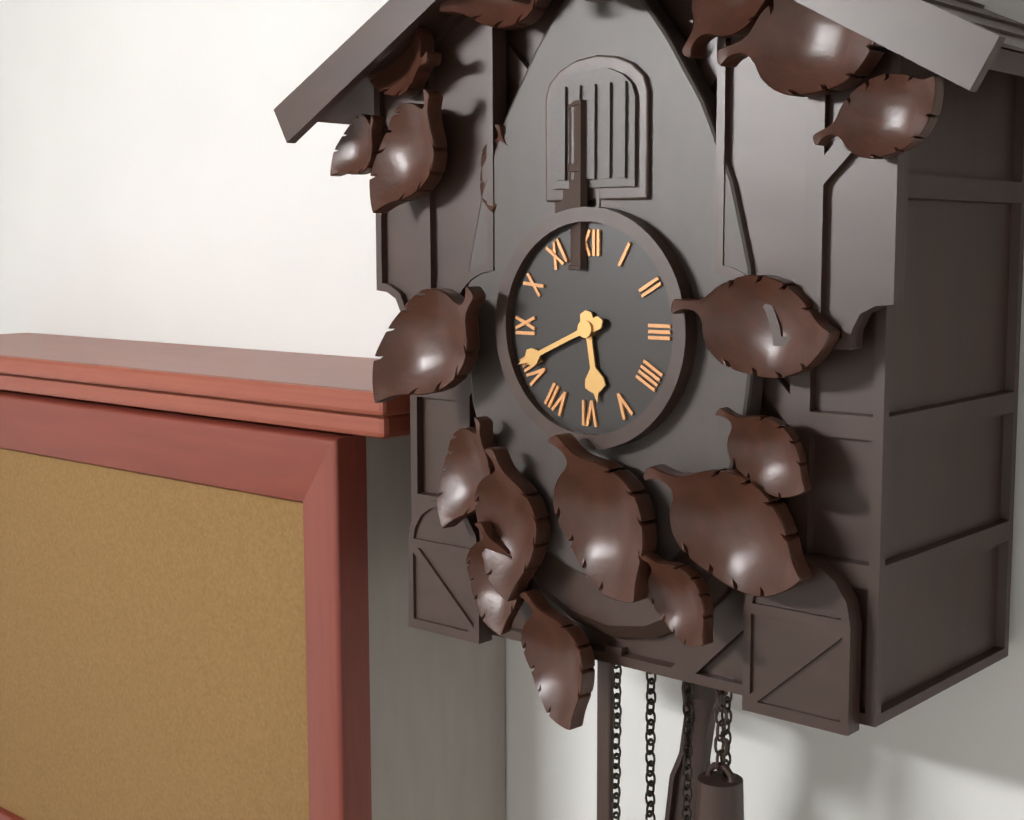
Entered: **5:41**
